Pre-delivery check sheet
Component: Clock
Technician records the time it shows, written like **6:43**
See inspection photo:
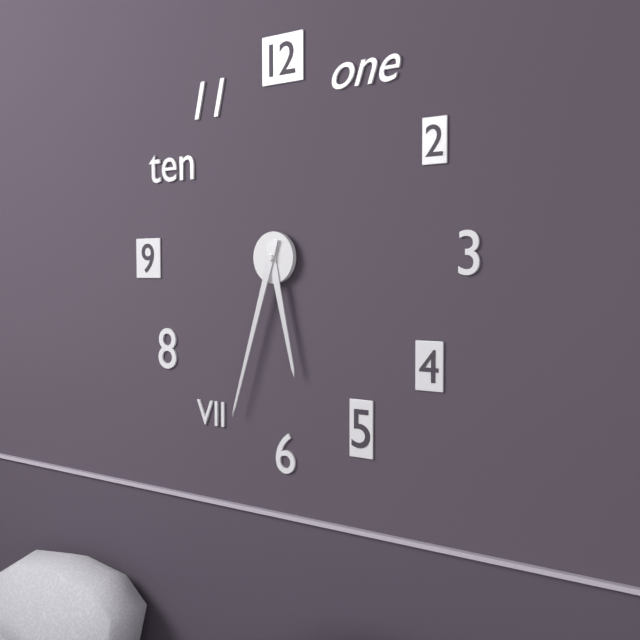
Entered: **5:33**
